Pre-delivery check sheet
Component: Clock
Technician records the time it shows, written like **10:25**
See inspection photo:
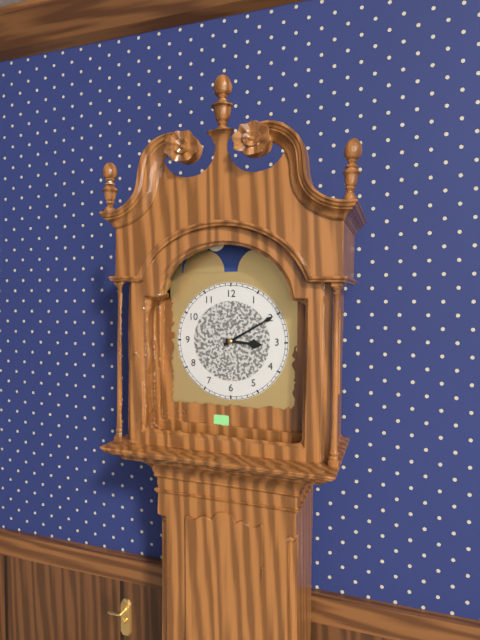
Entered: **3:10**
